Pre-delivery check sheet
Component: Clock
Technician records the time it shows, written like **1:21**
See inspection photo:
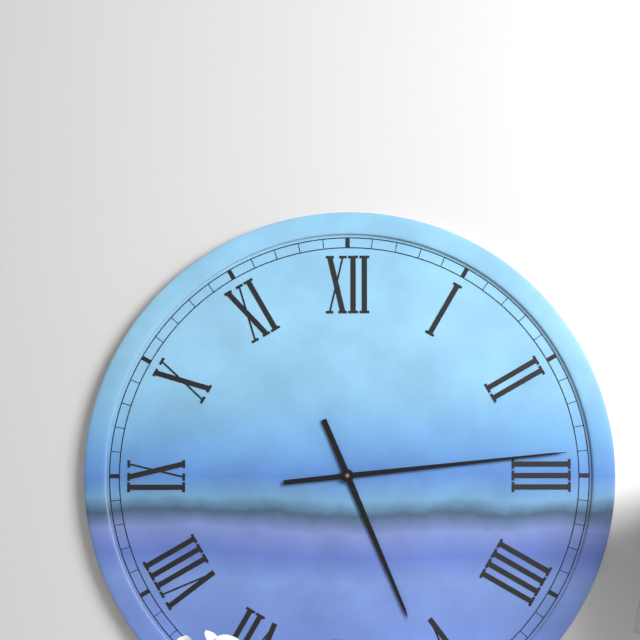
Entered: **5:14**
